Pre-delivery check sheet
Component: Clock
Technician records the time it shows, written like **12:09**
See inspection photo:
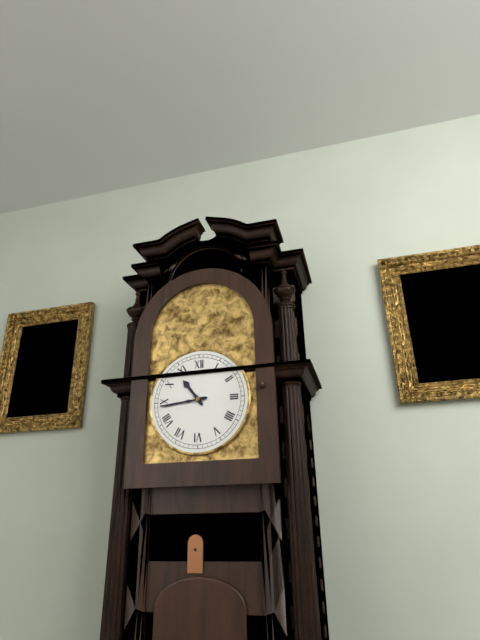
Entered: **10:44**
